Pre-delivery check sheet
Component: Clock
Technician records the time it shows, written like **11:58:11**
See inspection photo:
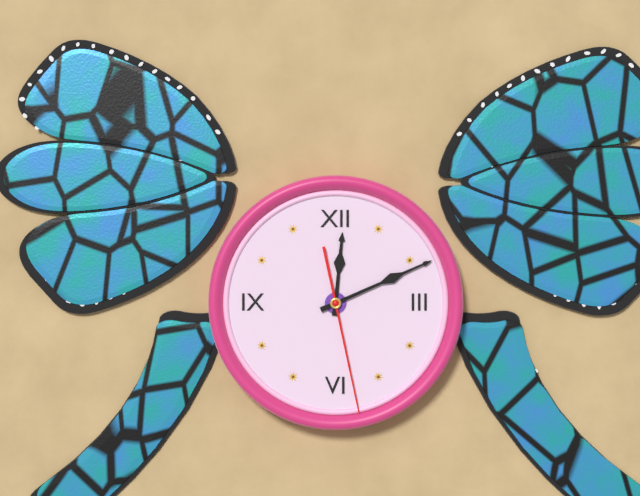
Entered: **12:11:28**
